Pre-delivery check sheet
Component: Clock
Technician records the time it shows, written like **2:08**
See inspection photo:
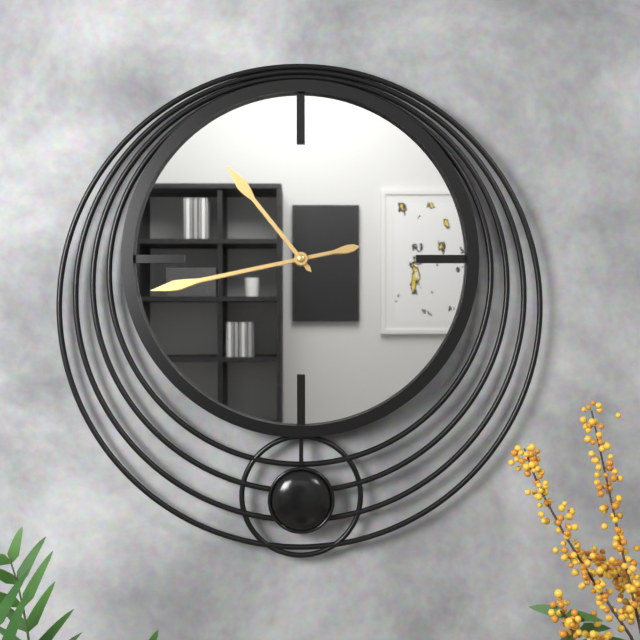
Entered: **10:43**
